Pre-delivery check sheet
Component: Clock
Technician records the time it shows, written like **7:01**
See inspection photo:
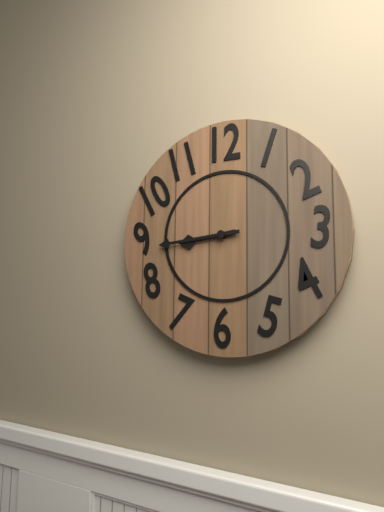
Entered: **8:44**
